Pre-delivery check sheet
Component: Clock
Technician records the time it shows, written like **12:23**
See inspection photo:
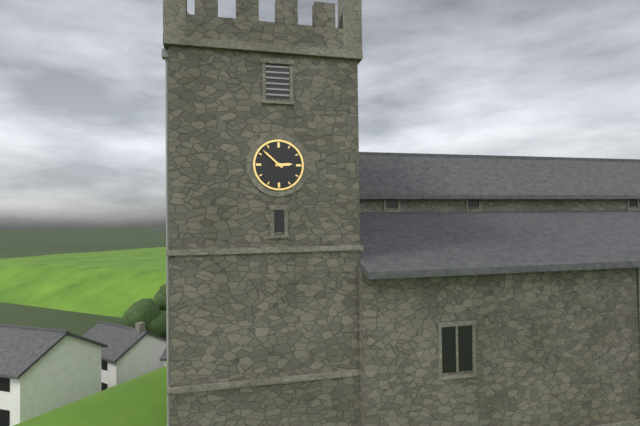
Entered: **2:52**
